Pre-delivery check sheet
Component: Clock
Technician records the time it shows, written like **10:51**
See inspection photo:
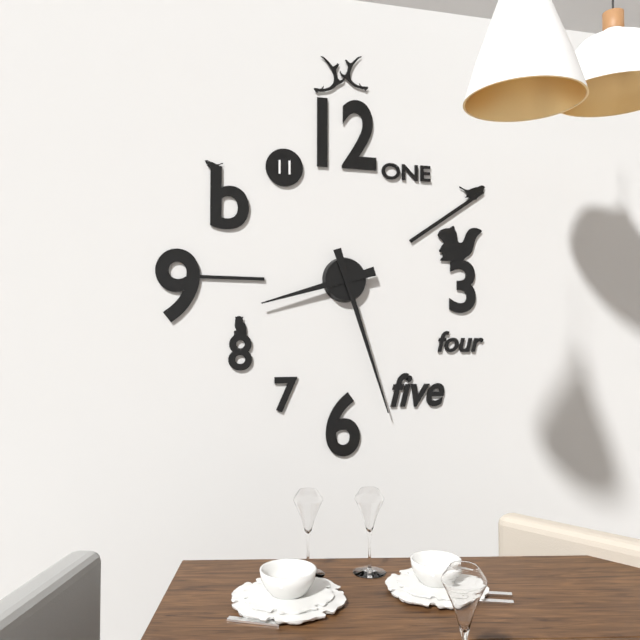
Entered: **8:27**
